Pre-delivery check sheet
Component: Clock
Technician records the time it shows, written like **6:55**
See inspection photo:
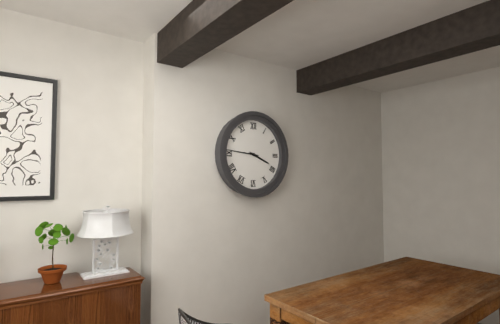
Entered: **3:46**
